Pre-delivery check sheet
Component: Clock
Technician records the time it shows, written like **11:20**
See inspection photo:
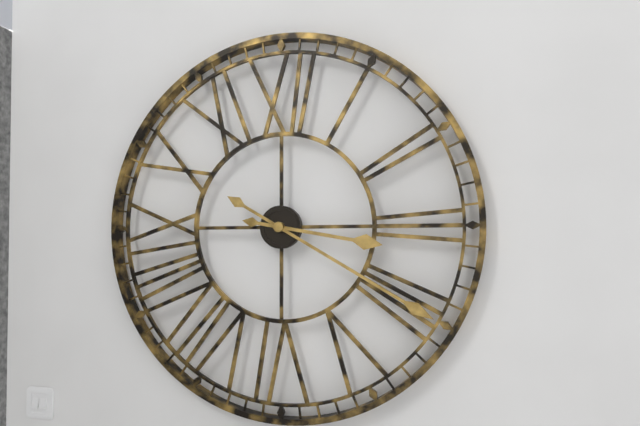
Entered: **3:20**
